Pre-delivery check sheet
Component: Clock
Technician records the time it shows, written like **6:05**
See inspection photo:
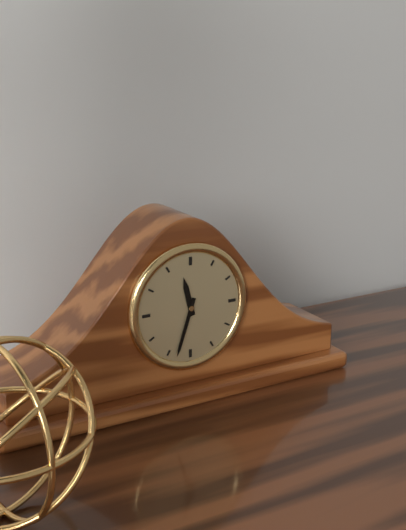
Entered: **11:33**
